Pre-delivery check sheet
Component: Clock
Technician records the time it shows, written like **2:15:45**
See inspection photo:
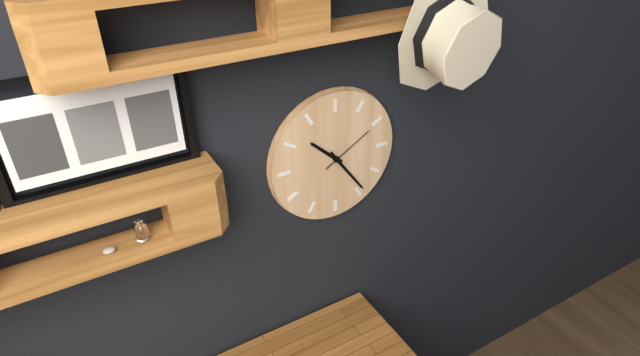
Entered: **10:24:10**
